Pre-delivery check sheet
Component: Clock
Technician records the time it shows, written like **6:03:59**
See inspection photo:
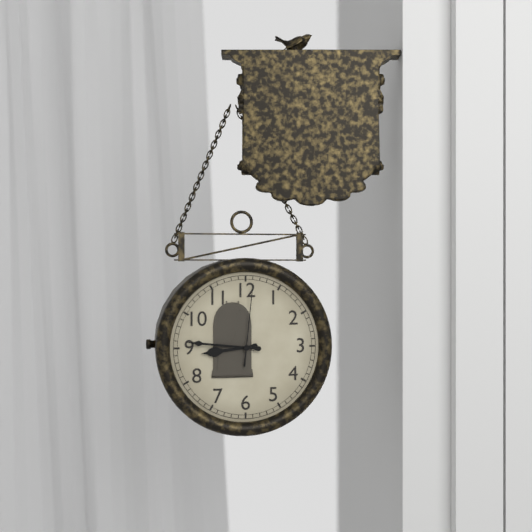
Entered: **8:46:01**
